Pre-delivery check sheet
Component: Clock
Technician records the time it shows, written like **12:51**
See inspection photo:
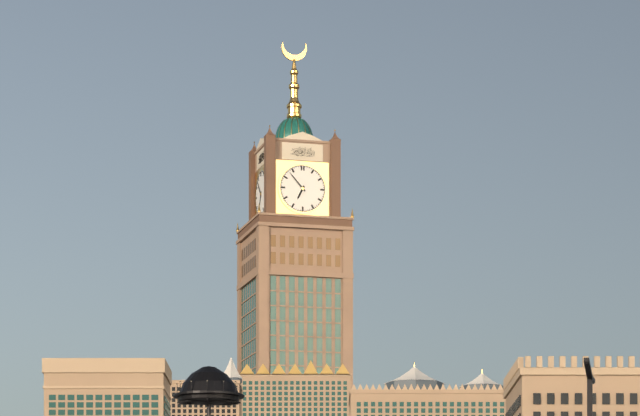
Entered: **6:53**
